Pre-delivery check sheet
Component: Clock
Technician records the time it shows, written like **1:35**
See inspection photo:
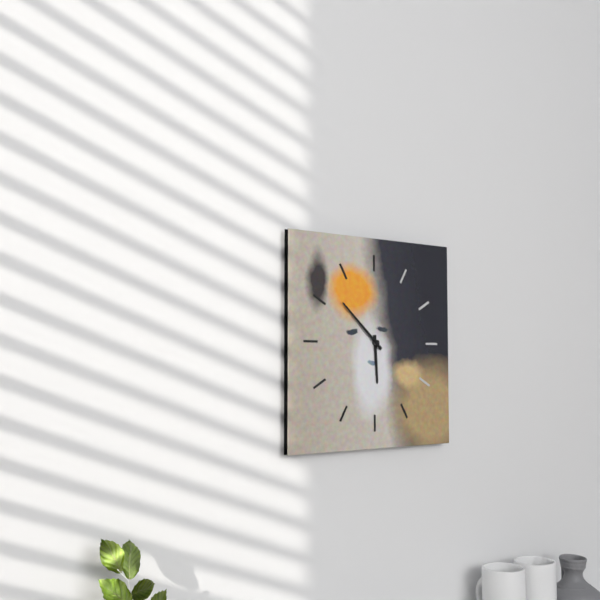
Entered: **5:52**
